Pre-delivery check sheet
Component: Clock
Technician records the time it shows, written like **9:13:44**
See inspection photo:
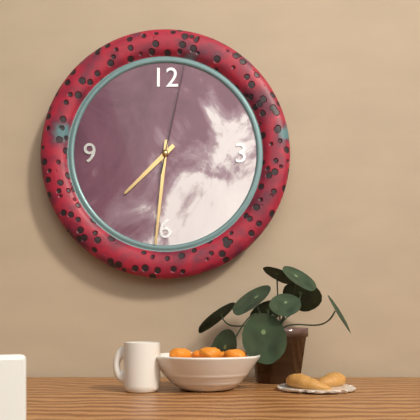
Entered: **7:31:02**
